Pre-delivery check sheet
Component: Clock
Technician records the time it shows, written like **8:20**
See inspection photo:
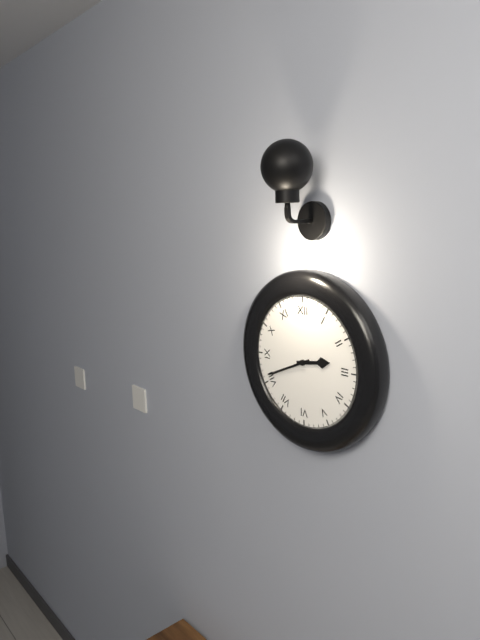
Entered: **2:41**
